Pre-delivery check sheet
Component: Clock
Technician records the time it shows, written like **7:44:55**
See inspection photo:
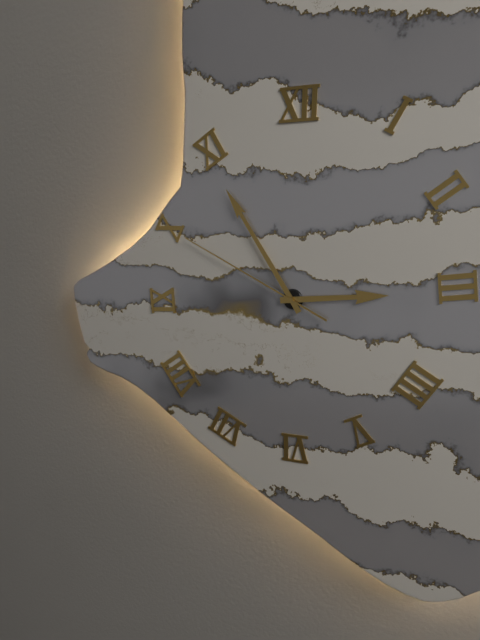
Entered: **2:55:50**
